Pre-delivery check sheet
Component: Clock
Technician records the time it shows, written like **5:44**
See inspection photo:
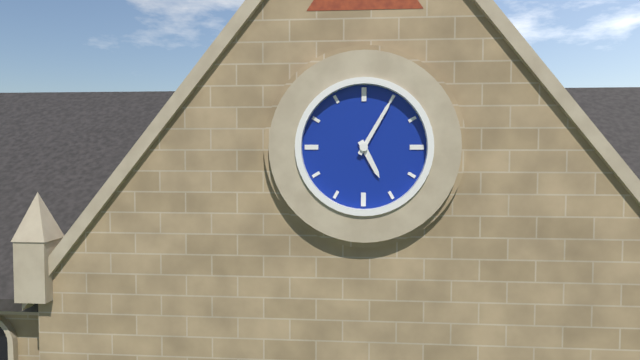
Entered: **5:05**
